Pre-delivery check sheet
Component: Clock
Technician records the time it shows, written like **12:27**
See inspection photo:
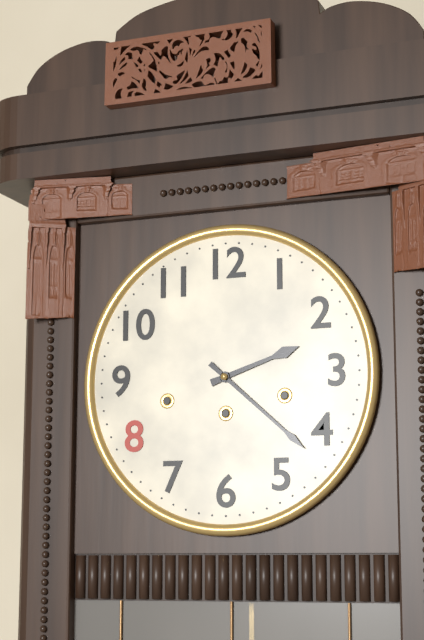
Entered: **2:22**
